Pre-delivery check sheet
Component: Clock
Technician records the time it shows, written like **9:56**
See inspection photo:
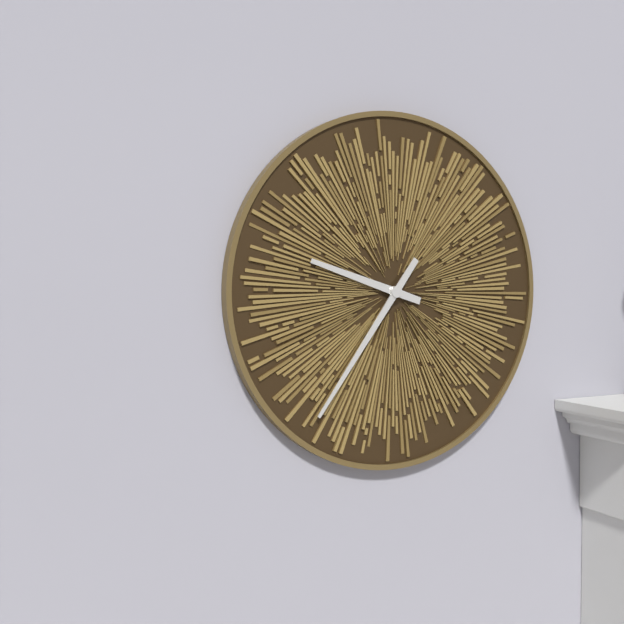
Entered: **9:36**
